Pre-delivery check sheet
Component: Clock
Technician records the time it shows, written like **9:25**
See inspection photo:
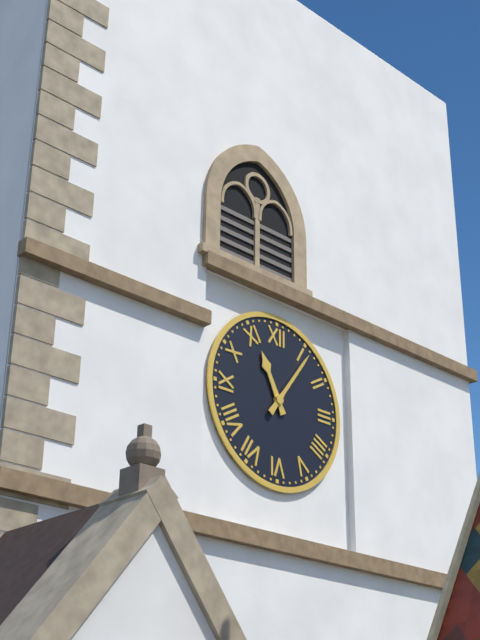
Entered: **11:06**
